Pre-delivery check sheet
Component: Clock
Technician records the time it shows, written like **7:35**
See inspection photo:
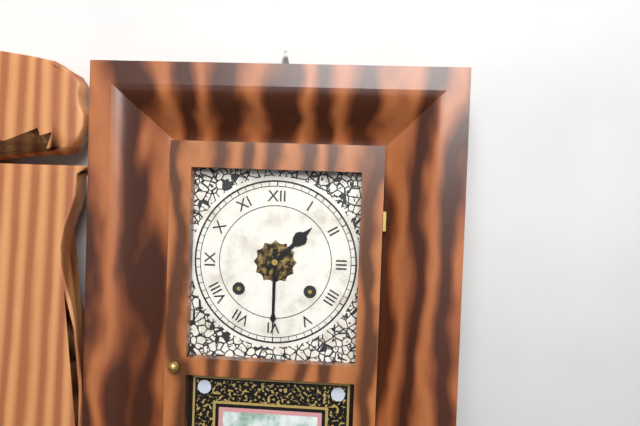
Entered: **1:30**
